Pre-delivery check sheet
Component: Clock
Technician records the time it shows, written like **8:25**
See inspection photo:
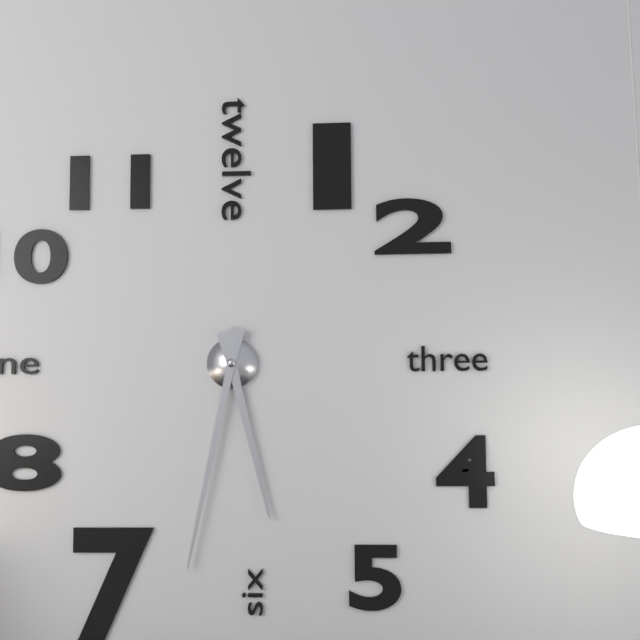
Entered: **5:32**
